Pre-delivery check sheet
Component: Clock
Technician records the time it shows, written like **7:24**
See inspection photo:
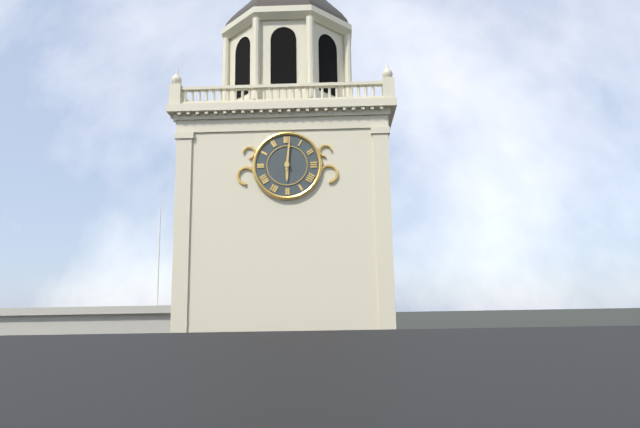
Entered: **6:01**
